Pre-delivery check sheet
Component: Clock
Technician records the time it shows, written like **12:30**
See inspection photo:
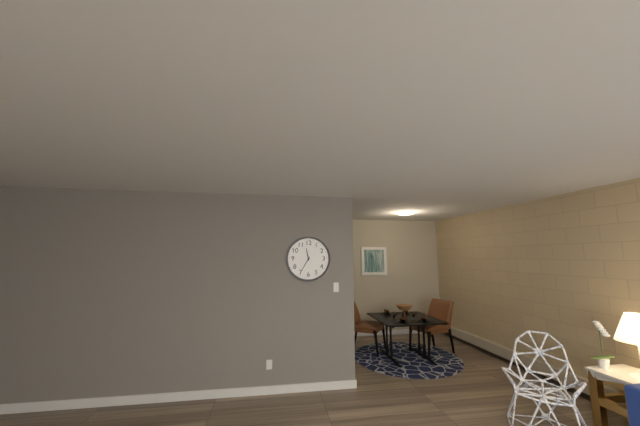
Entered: **11:35**
